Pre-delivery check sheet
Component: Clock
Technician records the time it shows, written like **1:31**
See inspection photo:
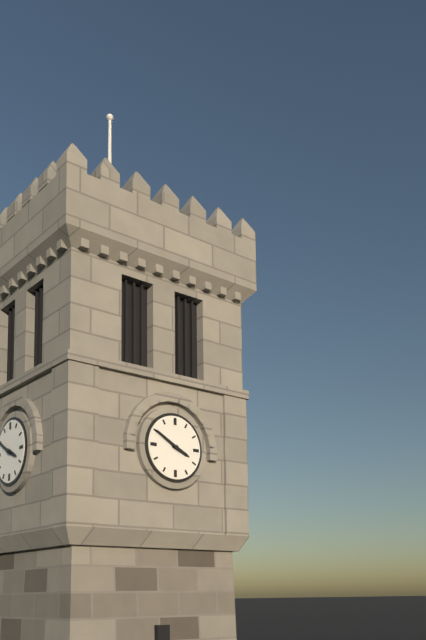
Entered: **3:50**
